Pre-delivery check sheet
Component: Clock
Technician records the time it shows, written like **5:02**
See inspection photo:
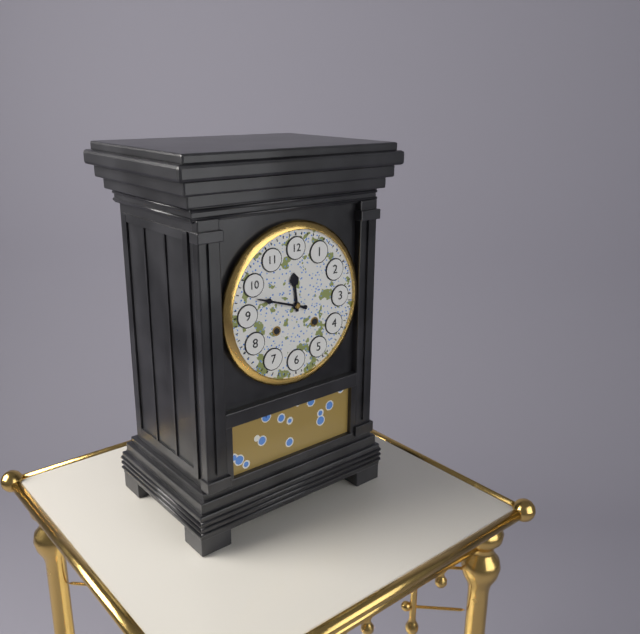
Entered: **11:48**
